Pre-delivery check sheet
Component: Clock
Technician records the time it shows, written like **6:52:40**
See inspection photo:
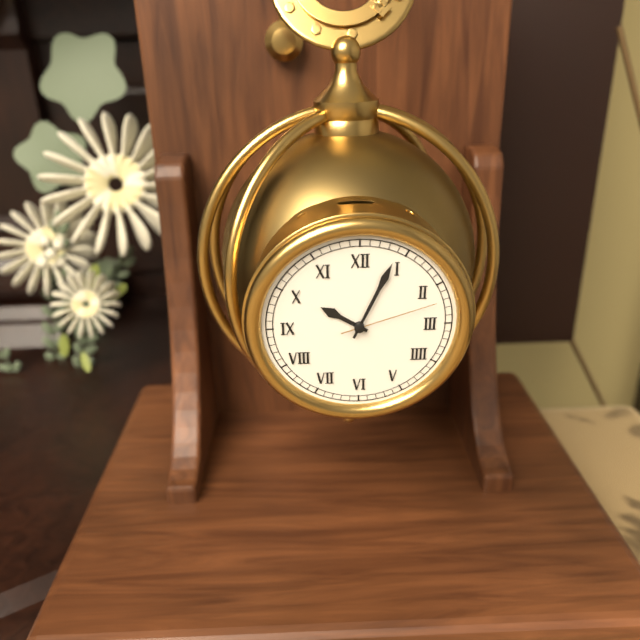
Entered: **10:04:12**
